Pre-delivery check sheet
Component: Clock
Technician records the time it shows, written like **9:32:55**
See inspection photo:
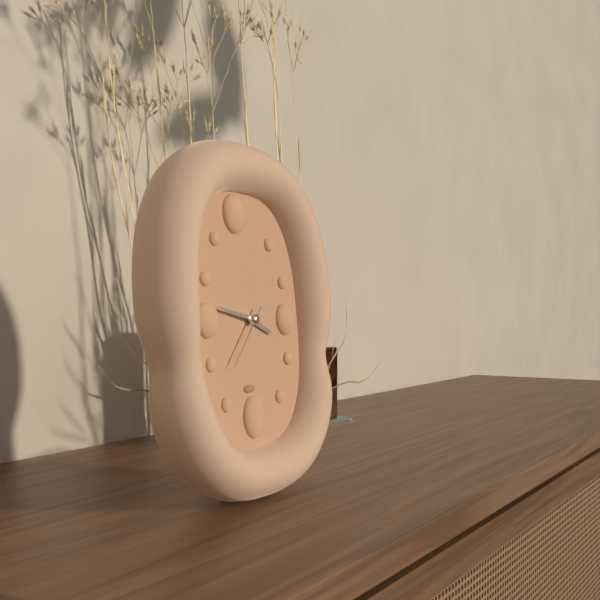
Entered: **3:47:37**
